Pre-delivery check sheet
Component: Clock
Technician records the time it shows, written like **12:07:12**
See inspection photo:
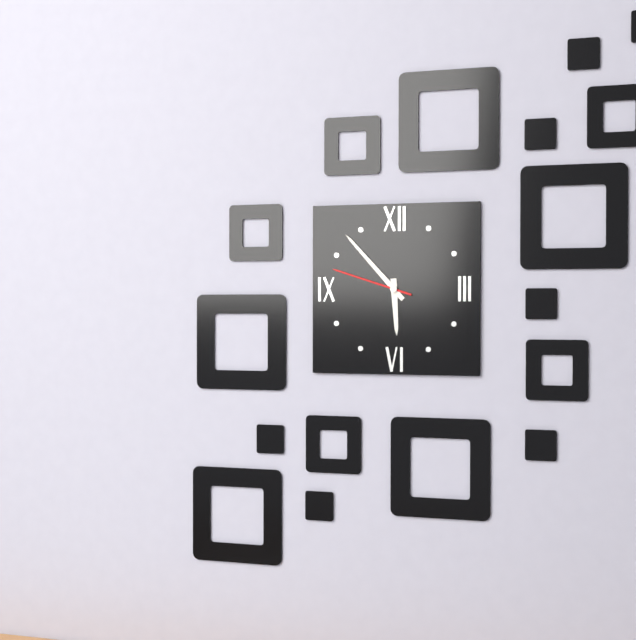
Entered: **5:53:48**
